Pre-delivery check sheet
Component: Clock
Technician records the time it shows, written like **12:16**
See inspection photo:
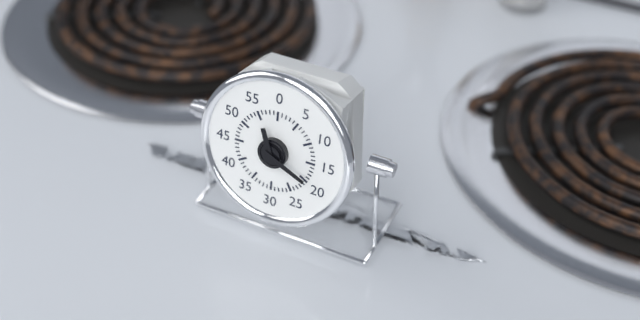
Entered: **11:19**
